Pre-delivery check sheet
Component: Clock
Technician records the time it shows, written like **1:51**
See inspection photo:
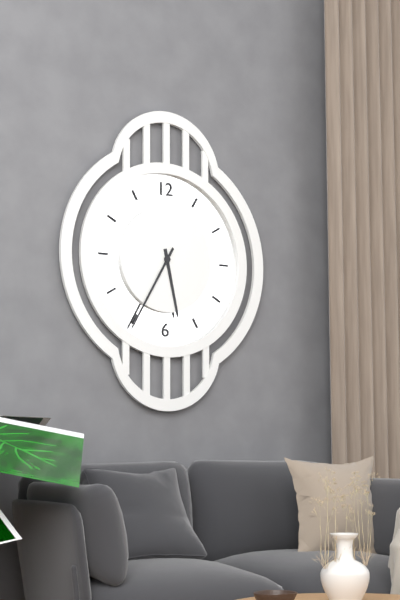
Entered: **5:35**
